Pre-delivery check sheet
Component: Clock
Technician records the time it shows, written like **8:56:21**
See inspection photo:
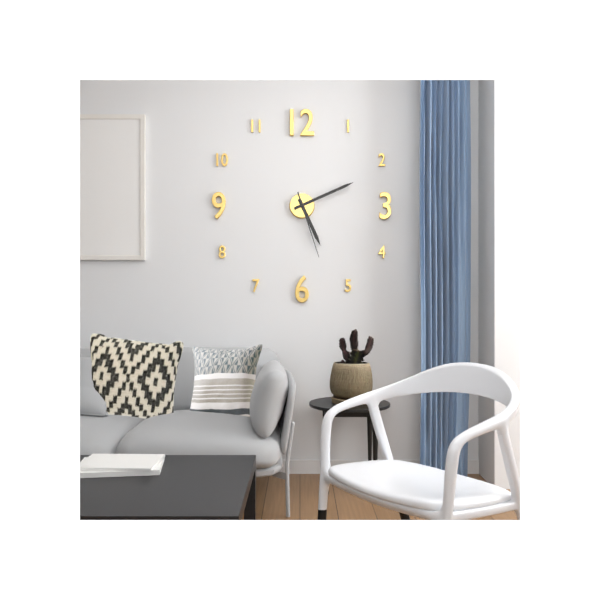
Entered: **5:11:27**
